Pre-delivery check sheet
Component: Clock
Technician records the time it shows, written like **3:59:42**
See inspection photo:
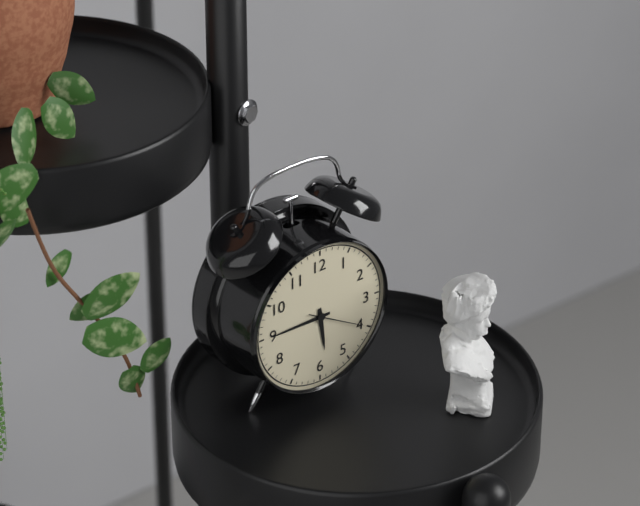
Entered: **5:45:20**
